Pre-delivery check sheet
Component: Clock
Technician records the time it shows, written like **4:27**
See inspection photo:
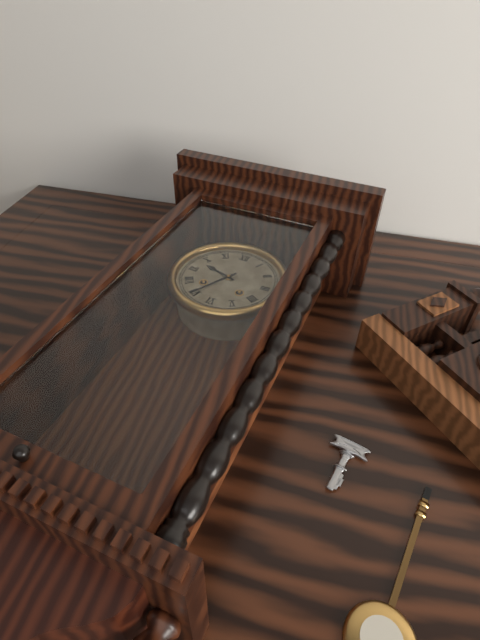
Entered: **9:35**
